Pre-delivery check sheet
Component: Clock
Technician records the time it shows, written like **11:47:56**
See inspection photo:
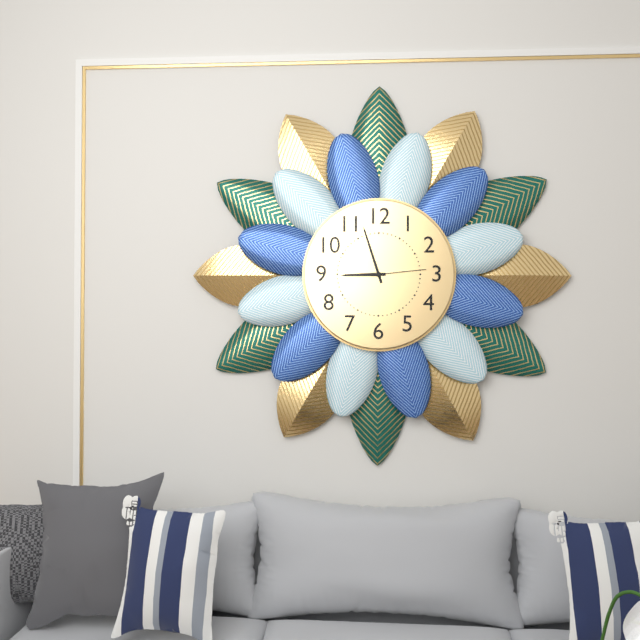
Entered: **8:57:14**
